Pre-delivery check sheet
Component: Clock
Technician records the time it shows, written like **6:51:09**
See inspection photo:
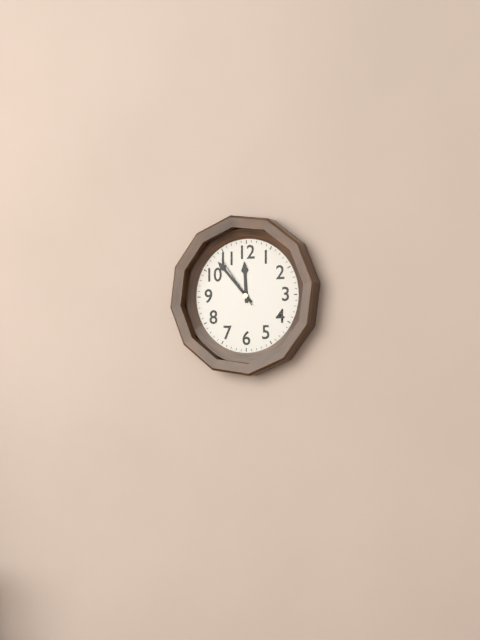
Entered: **11:53:54**
